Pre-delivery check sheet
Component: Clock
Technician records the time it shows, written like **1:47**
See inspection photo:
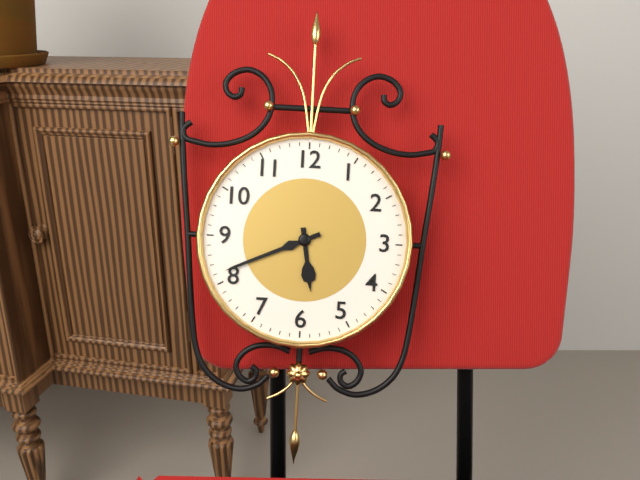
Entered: **5:41**
